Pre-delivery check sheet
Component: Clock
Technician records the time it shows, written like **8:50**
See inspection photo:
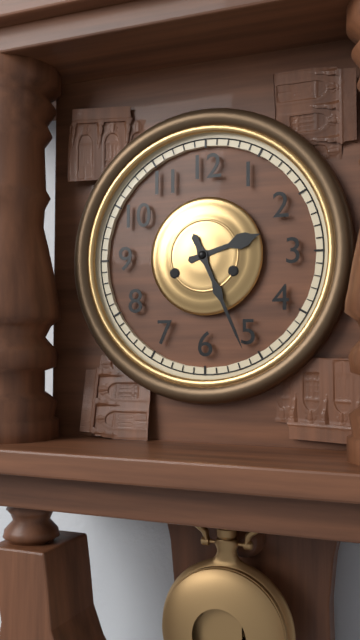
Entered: **2:26**
